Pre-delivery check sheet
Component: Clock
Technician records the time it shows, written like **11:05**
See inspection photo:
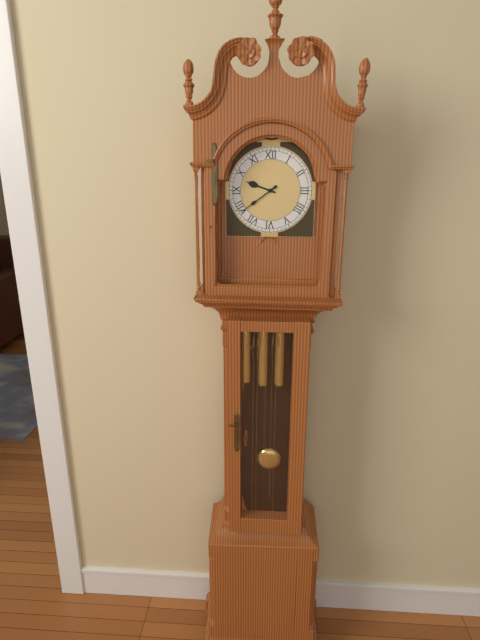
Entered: **9:39**
